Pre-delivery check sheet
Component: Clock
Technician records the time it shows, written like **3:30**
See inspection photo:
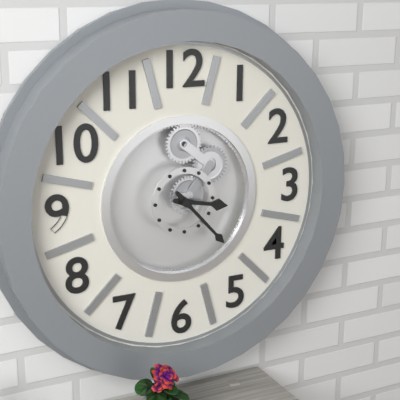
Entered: **3:23**
